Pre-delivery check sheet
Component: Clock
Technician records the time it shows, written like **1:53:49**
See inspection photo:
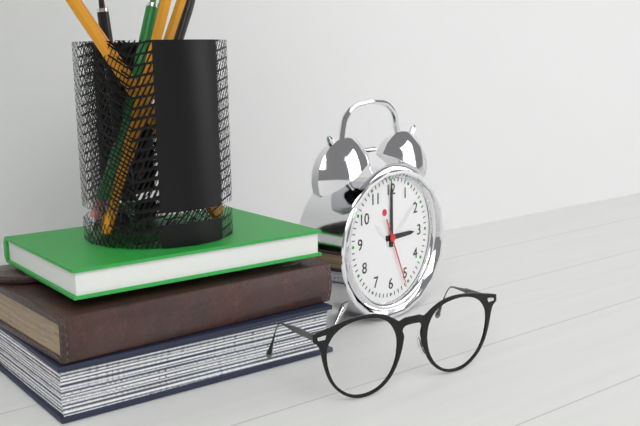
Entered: **3:00:26**
